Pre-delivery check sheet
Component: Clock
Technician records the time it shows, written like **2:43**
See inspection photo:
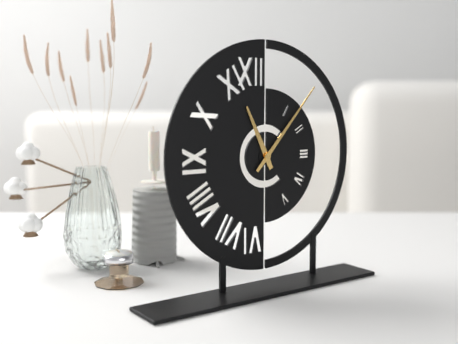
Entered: **11:07**
